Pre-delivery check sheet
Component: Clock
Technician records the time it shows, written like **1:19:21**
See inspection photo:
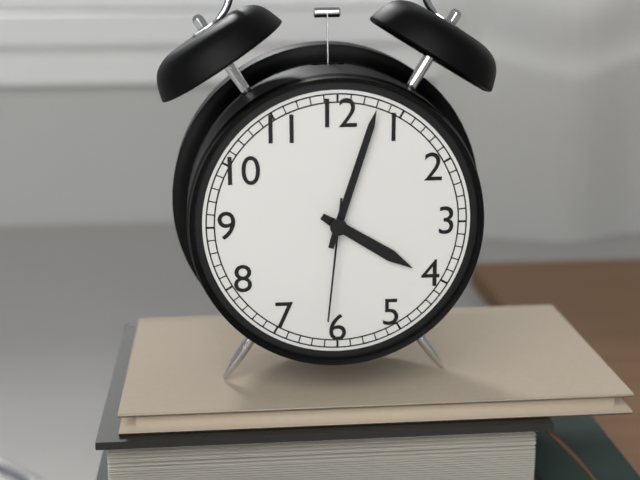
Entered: **4:03:31**
